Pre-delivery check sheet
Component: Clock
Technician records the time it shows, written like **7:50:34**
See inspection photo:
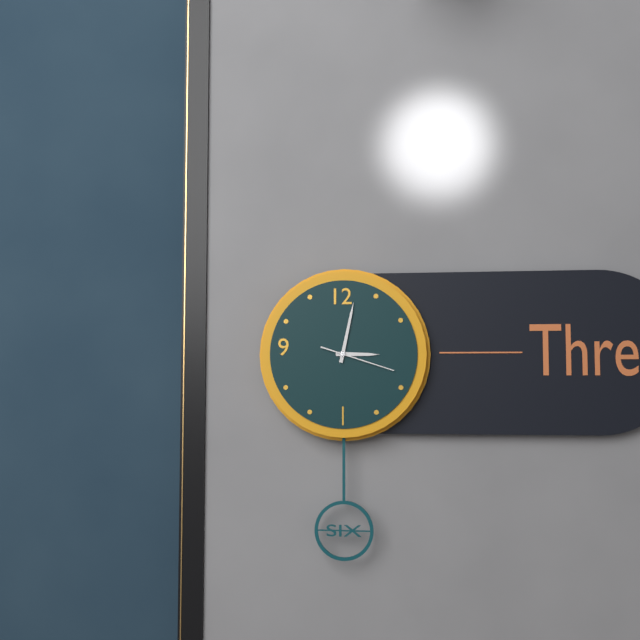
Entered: **3:02:18**
